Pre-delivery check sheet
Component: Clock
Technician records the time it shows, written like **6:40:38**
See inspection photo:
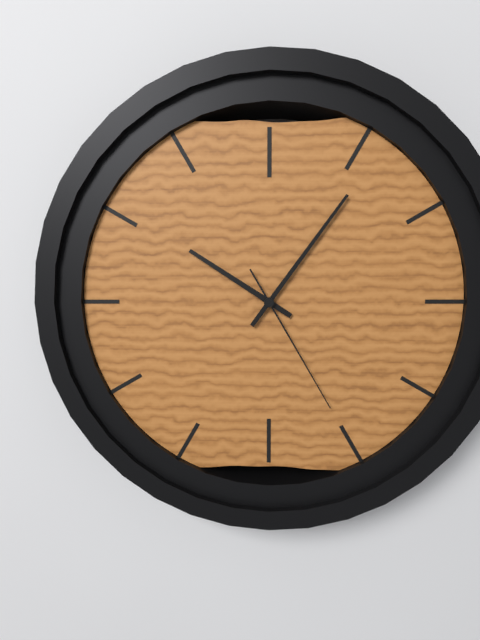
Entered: **10:06:25**
